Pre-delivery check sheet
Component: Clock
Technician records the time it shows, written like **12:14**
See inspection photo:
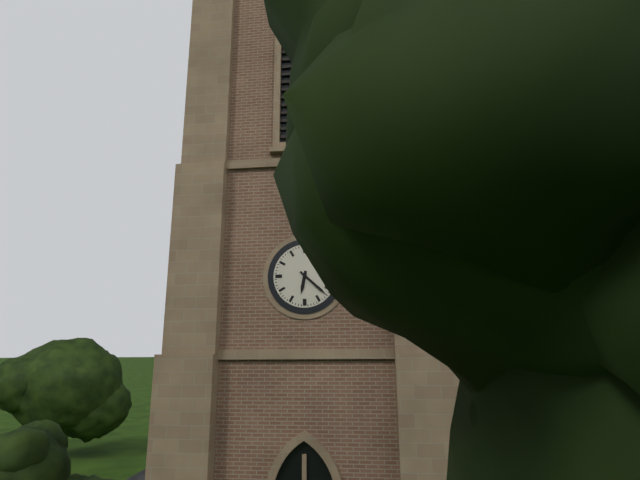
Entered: **6:22**
